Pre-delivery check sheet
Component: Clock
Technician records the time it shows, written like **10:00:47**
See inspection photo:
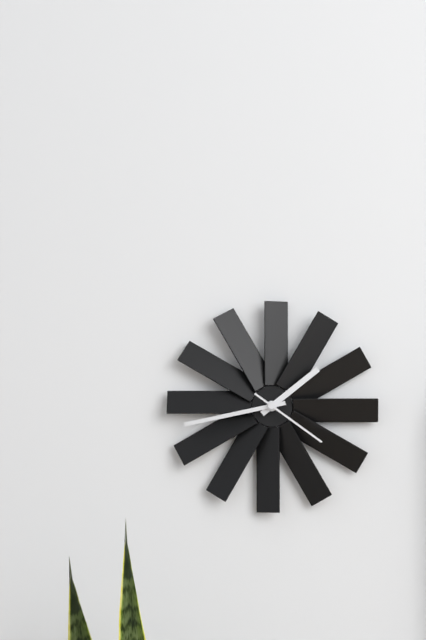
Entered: **1:43:21**
